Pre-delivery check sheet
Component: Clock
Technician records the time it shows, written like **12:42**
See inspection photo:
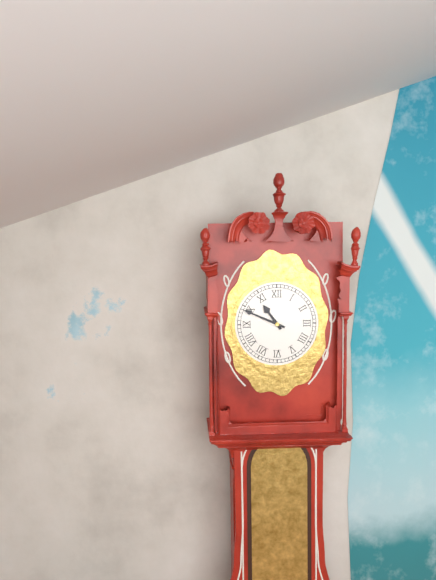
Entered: **10:49**
